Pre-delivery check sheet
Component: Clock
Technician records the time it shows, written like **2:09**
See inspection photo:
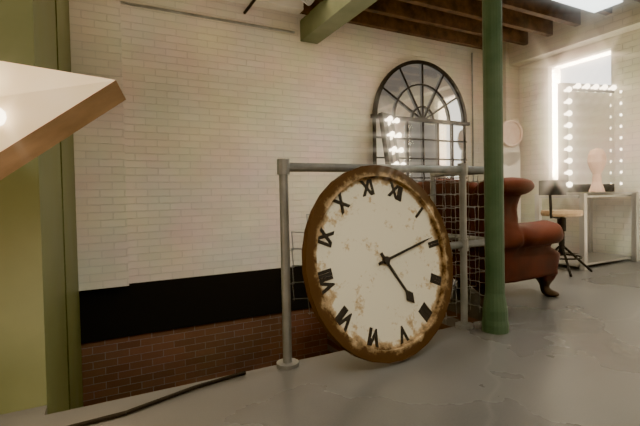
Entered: **4:09**
